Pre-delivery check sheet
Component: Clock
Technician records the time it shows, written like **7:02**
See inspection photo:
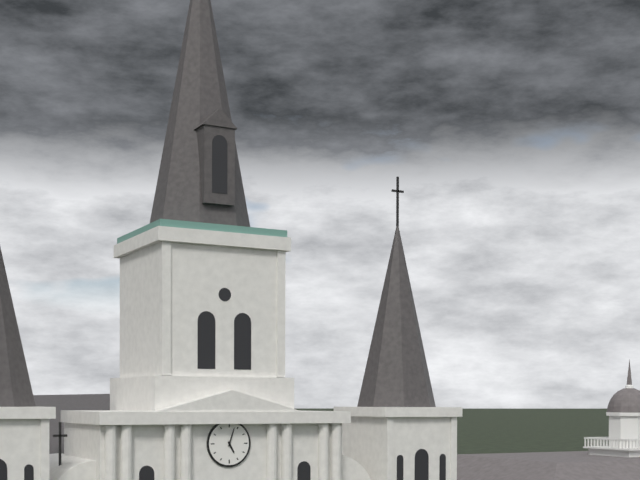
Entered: **5:03**
